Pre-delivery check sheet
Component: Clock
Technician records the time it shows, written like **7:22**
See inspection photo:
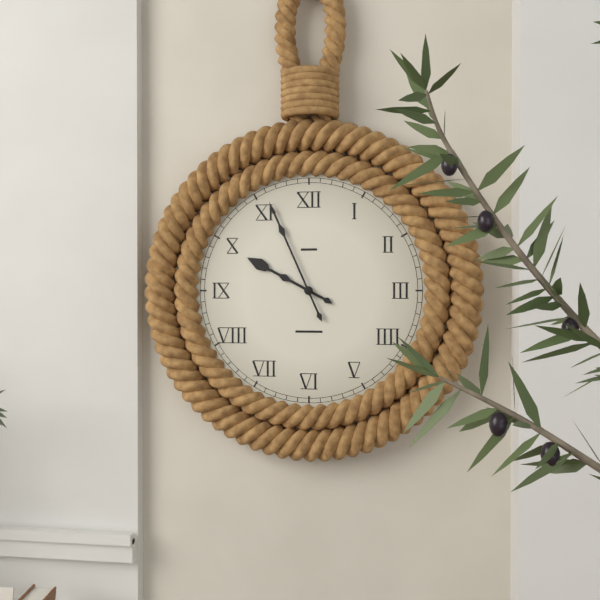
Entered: **9:56**
